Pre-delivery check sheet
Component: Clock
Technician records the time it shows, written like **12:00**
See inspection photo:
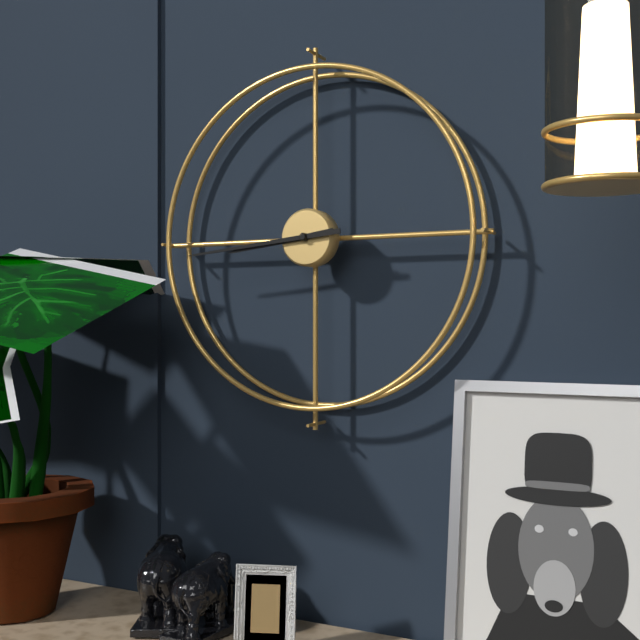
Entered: **8:44**
